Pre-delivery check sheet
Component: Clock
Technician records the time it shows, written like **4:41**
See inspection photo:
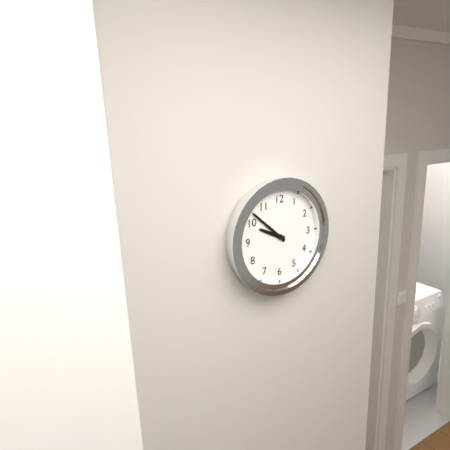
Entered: **9:52**
